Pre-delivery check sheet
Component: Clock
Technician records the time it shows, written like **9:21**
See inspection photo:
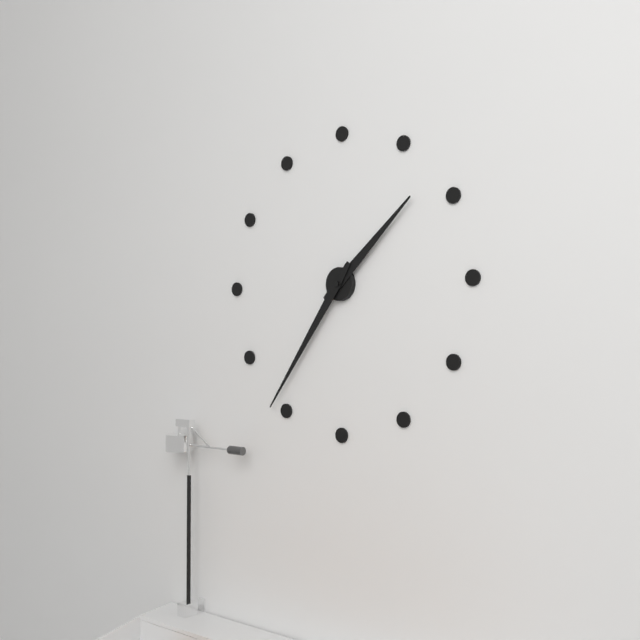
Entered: **1:36**
